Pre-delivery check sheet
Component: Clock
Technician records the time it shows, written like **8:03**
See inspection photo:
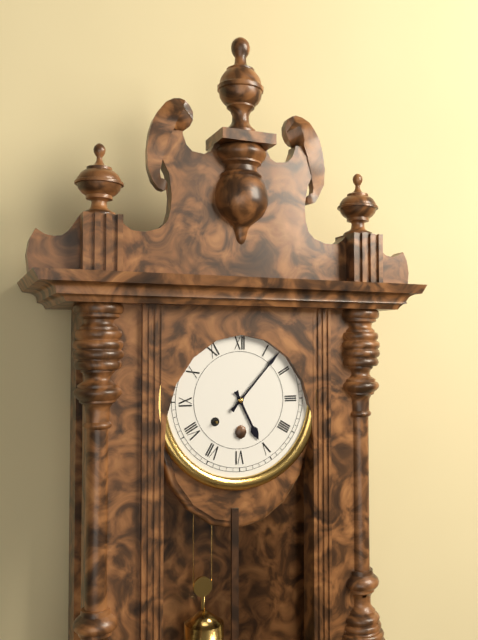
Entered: **5:07**
